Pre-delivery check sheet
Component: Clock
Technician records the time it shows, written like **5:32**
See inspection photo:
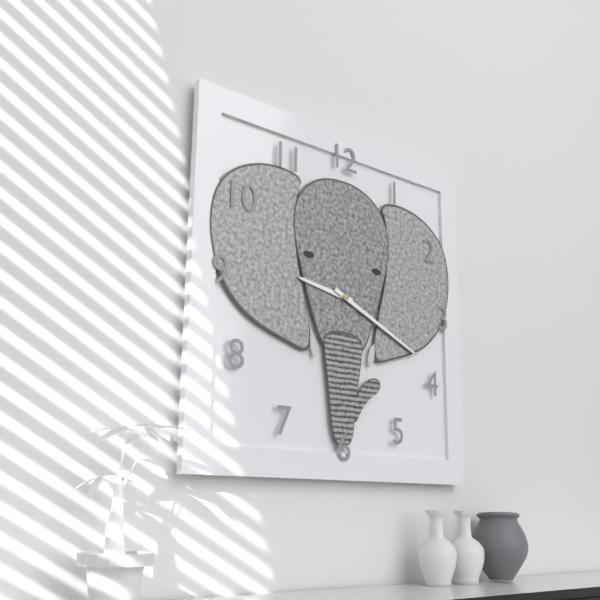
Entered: **9:19**
